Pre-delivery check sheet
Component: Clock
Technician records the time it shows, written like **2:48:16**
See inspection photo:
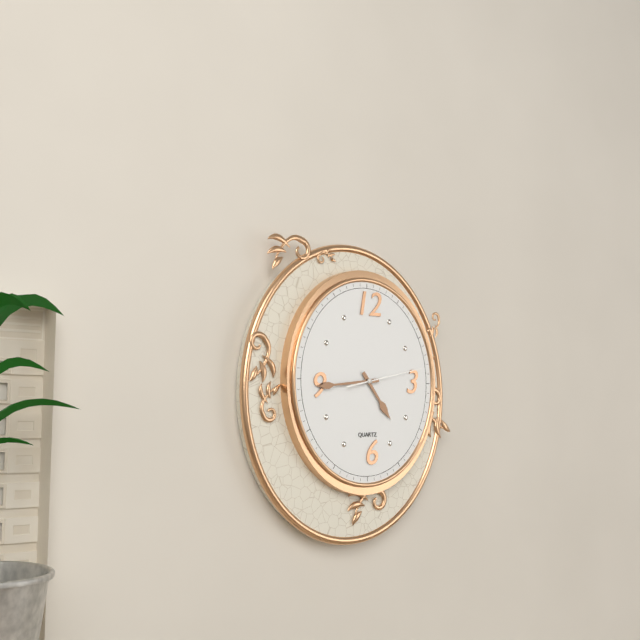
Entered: **4:44:13**
